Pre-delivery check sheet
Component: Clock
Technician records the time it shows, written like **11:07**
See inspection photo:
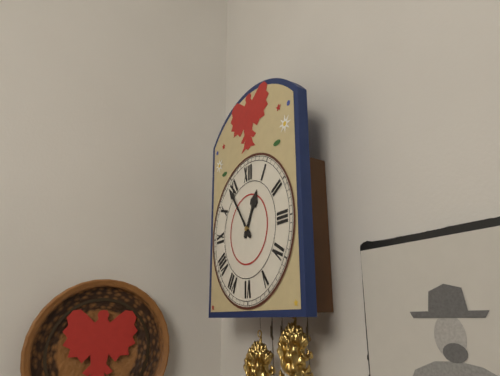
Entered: **12:54**
